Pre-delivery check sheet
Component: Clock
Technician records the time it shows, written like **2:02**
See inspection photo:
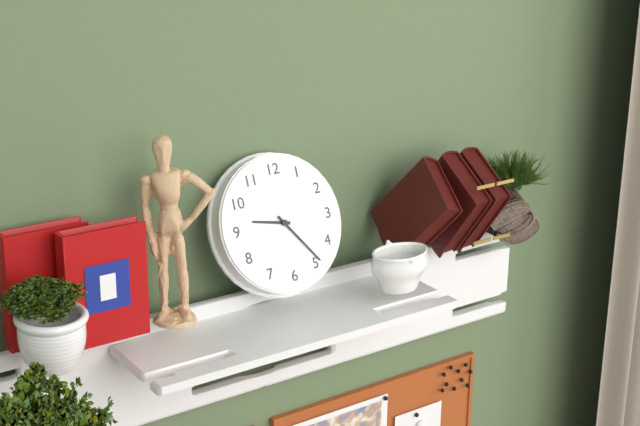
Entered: **9:24**
